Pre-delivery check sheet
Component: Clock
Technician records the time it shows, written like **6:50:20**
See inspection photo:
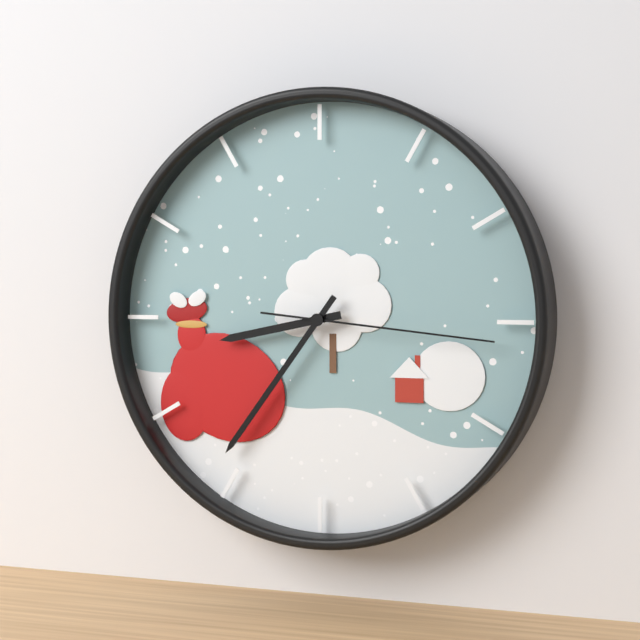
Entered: **8:36:16**
